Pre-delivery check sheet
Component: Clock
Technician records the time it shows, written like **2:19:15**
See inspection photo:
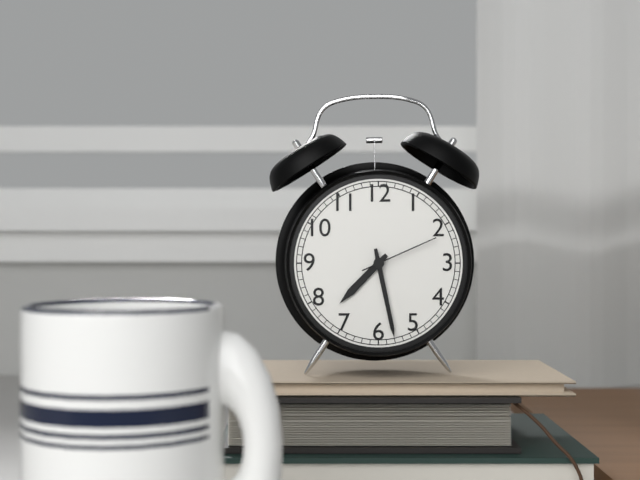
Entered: **7:28:11**
